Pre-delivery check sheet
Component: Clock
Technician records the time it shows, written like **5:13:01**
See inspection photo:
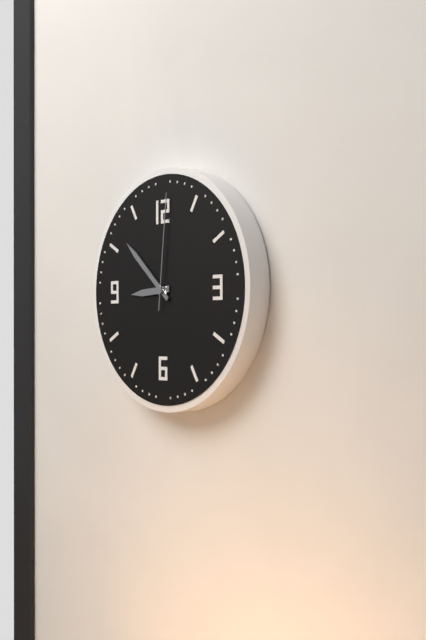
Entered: **8:52:01**
